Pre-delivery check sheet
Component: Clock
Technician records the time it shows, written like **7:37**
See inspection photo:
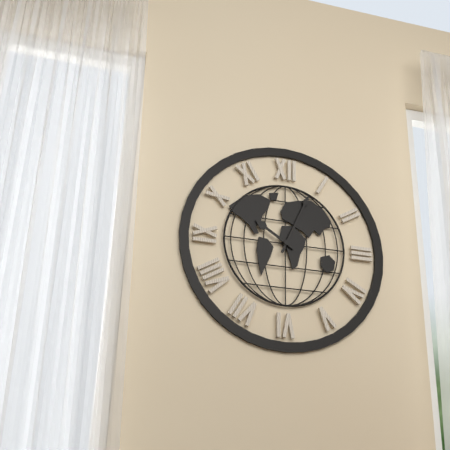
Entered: **10:04**
